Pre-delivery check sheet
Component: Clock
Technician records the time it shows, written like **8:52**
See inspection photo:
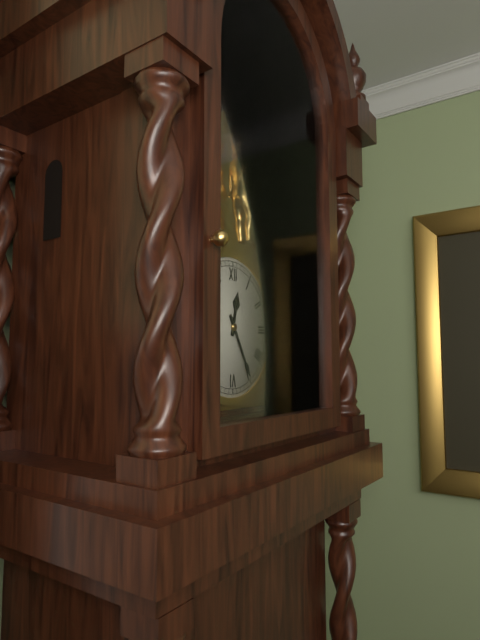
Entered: **12:25**
